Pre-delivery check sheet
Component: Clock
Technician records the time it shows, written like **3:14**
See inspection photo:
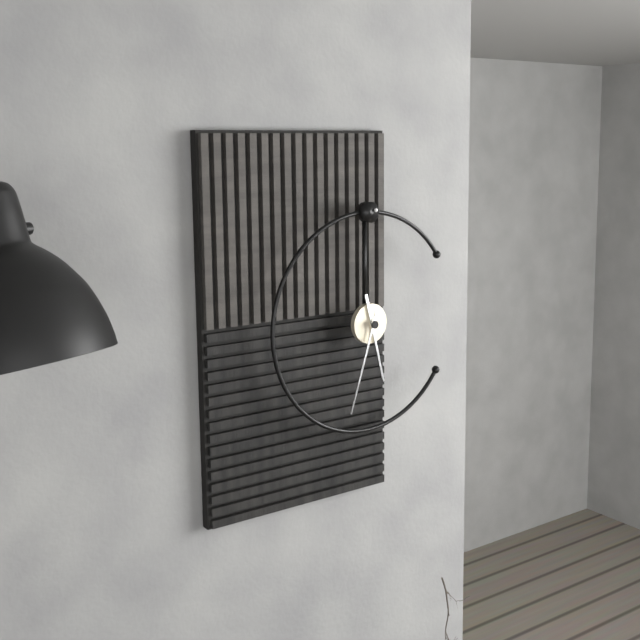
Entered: **5:33**
